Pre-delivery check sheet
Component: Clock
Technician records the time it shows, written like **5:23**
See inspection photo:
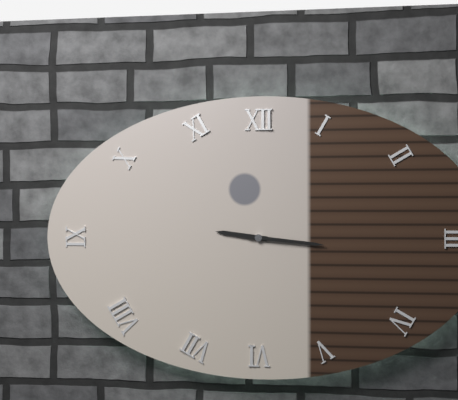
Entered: **9:16**
